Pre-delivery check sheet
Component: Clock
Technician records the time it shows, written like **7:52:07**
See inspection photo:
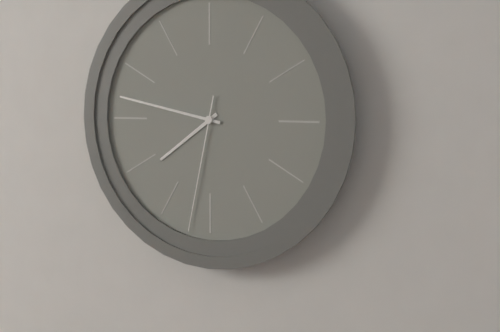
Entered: **7:47:32**
